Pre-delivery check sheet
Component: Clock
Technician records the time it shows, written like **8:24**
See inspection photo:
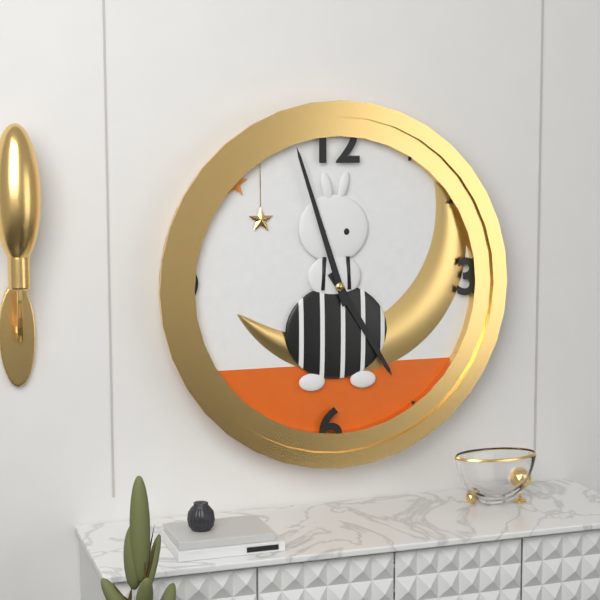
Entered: **4:57**
